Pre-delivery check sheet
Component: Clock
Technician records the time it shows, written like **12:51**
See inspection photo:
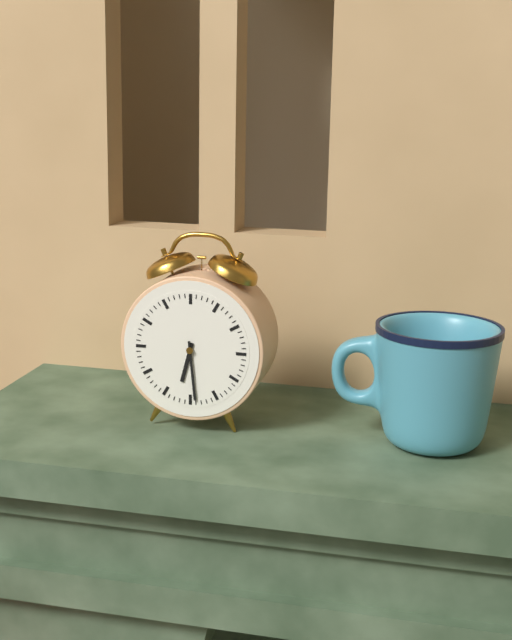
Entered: **6:29**
